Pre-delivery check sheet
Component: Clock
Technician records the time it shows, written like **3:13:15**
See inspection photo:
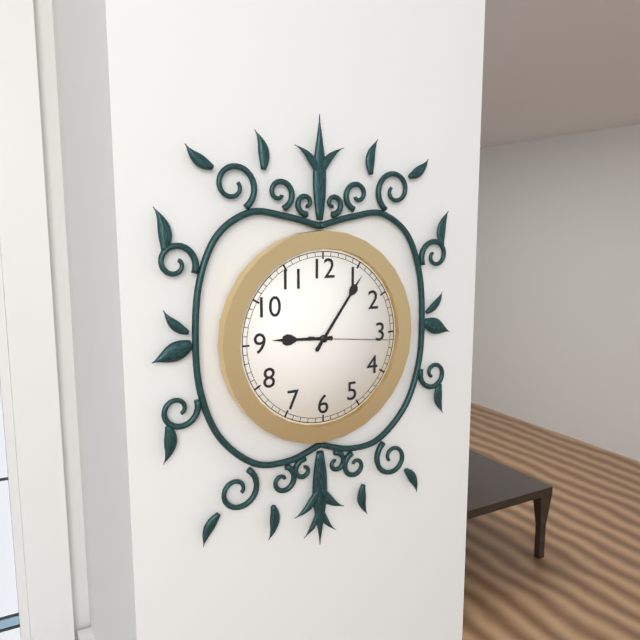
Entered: **9:06:16**
